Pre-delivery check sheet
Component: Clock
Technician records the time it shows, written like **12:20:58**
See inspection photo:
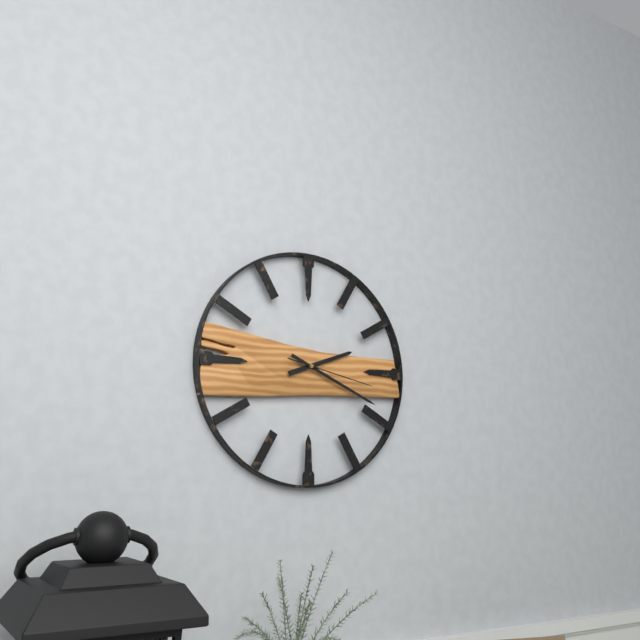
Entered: **2:19:17**
